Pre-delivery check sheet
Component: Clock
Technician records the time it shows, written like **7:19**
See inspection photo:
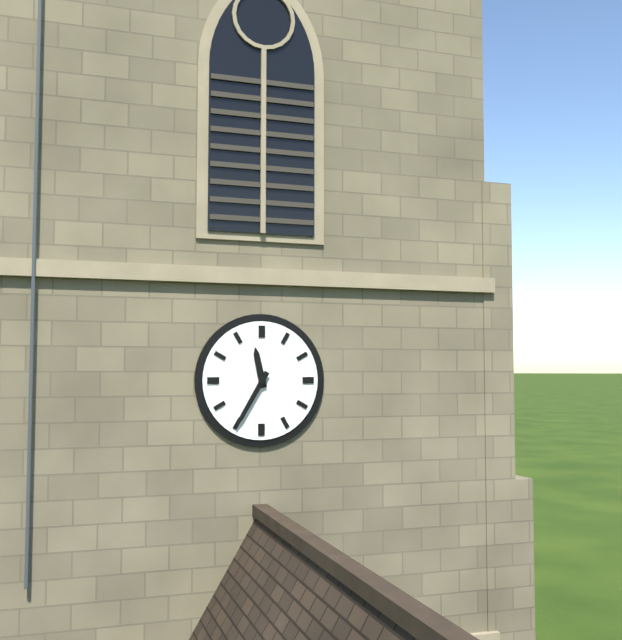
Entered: **11:35**
